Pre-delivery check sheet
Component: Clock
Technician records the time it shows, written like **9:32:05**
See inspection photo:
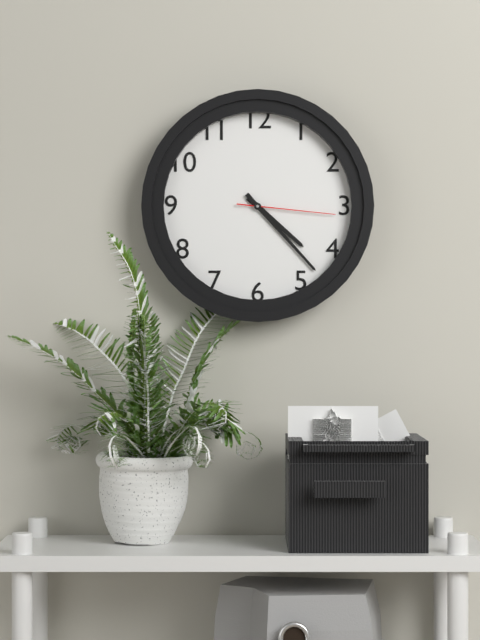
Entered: **4:23:16**
